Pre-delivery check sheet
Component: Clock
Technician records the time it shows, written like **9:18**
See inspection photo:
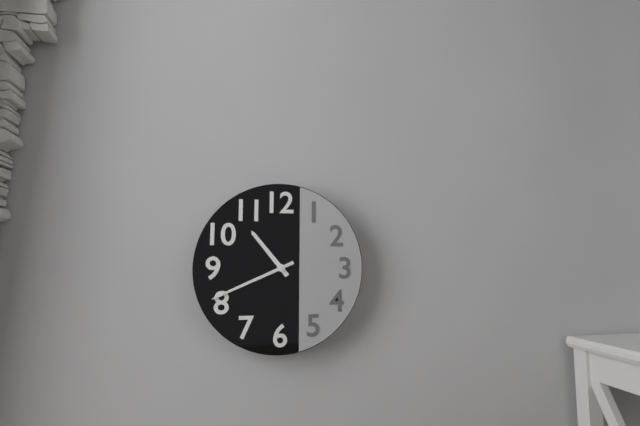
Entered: **10:41**
